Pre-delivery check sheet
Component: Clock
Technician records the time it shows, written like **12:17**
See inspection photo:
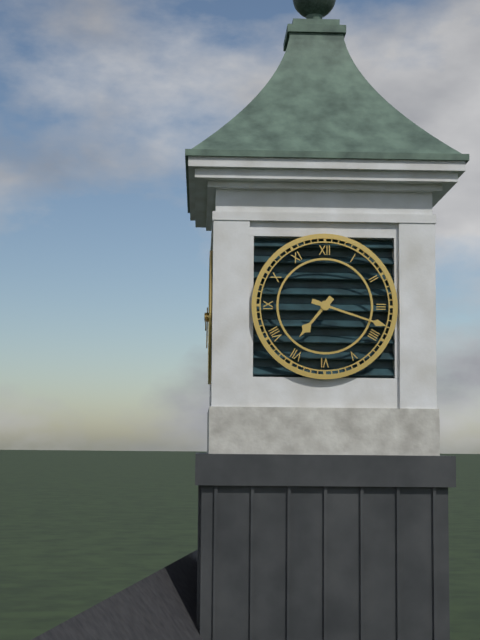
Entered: **7:18**
